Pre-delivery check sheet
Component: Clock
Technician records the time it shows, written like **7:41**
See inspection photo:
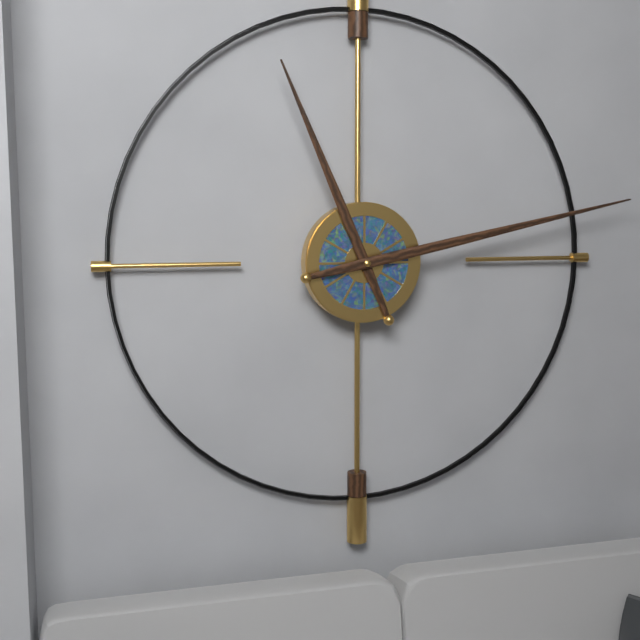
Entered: **11:13**
